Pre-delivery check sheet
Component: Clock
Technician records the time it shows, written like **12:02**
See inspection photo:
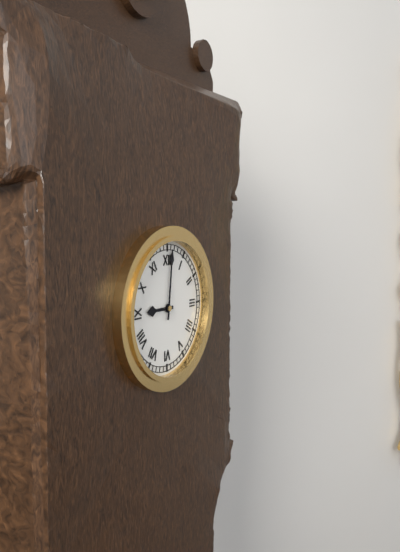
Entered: **9:01**
